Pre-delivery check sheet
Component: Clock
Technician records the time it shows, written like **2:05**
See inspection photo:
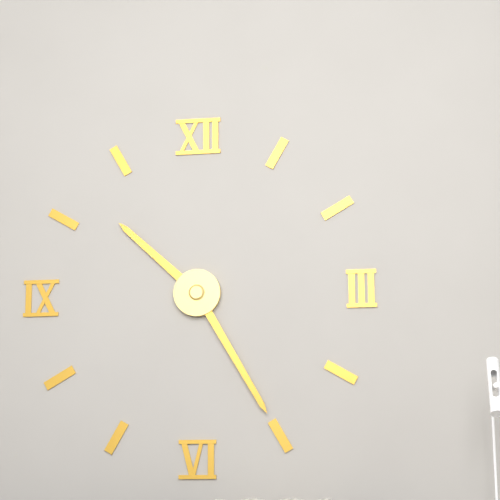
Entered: **10:25**
